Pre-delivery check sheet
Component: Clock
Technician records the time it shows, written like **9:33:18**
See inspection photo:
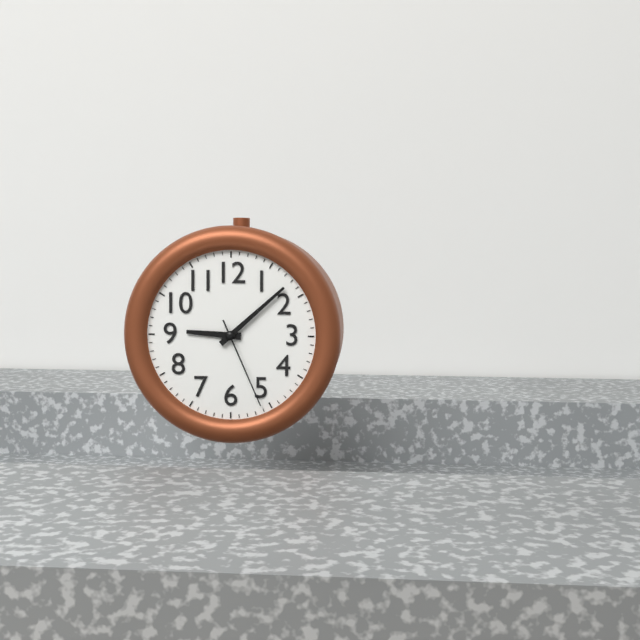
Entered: **9:08:26**
